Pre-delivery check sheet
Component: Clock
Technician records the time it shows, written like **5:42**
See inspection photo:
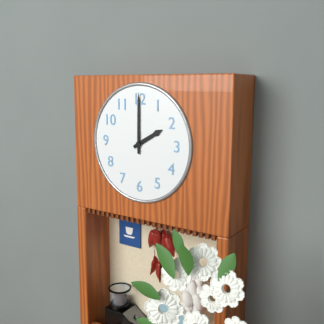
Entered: **2:00**
